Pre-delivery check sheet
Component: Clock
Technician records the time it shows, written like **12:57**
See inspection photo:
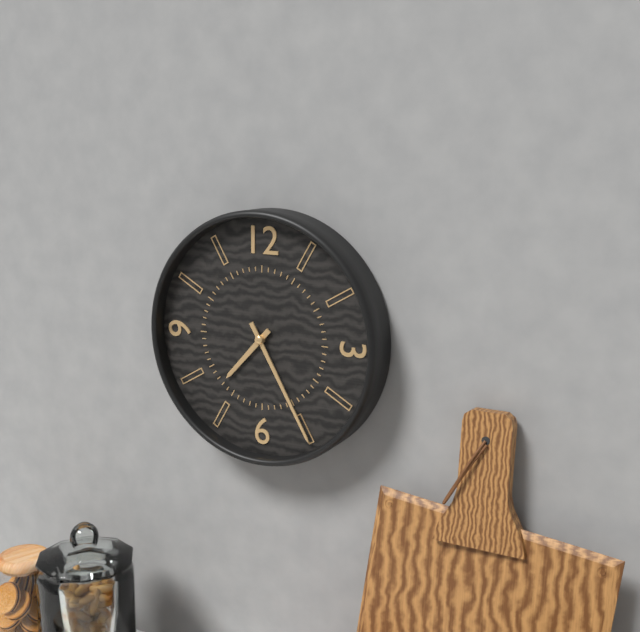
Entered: **7:25**
